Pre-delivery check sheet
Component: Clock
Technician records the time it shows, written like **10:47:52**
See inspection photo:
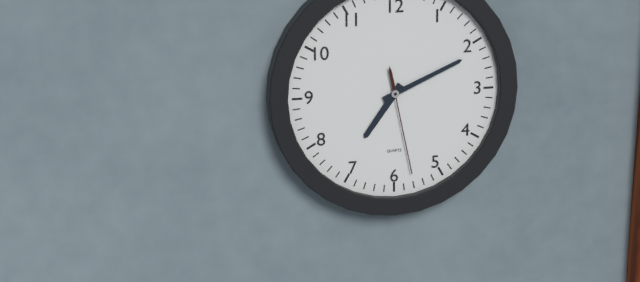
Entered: **7:11:28**
